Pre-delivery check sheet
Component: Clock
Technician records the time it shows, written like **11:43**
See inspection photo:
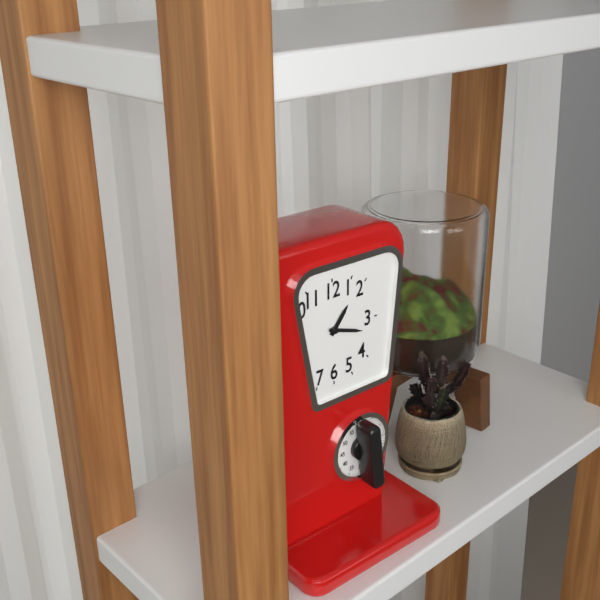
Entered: **1:18**
